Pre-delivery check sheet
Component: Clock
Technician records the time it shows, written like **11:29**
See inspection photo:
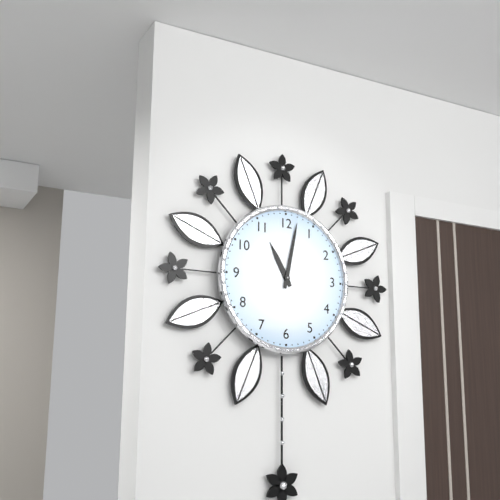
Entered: **11:02**
